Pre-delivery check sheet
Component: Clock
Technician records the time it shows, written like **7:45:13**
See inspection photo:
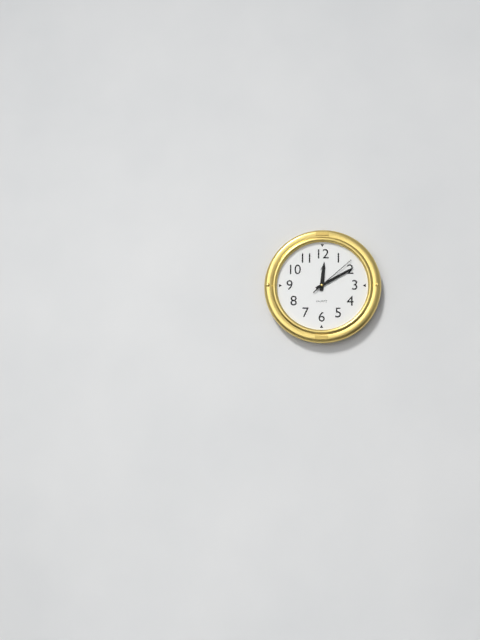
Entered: **12:10:08**
